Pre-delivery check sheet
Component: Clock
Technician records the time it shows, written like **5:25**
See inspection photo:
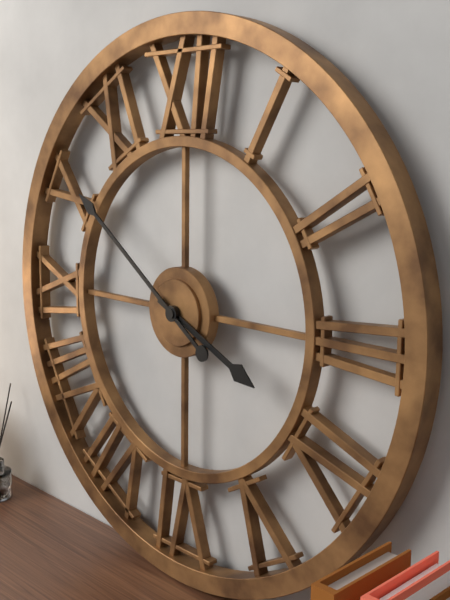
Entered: **3:51**
